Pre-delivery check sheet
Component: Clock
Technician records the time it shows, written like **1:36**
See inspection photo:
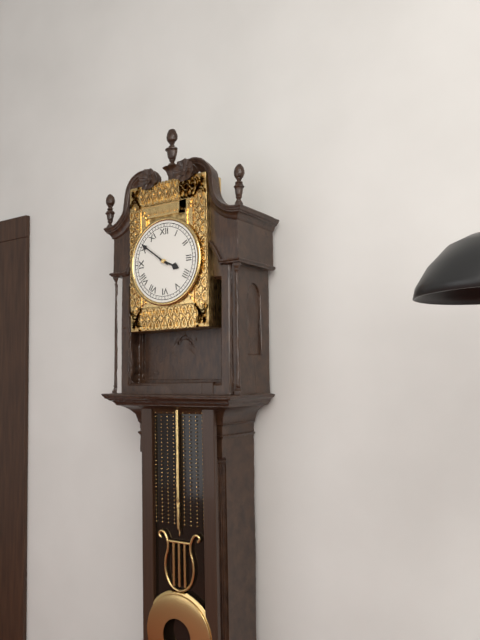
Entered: **3:51**
